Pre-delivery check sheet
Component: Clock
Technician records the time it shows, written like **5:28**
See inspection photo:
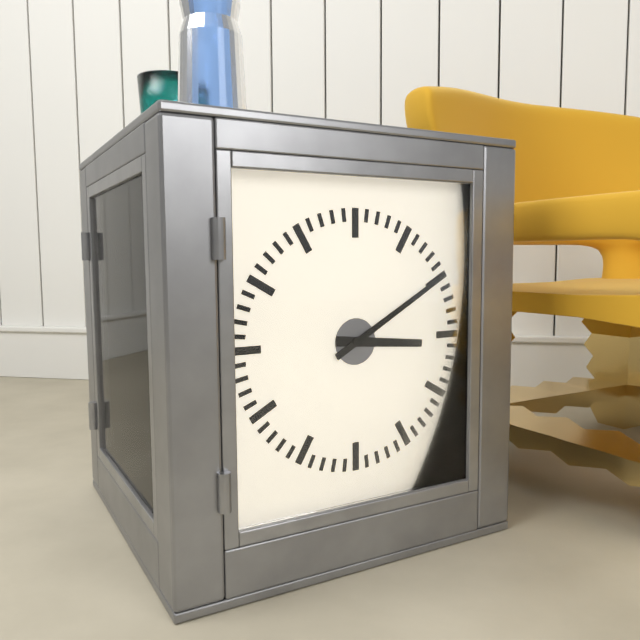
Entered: **3:10**
